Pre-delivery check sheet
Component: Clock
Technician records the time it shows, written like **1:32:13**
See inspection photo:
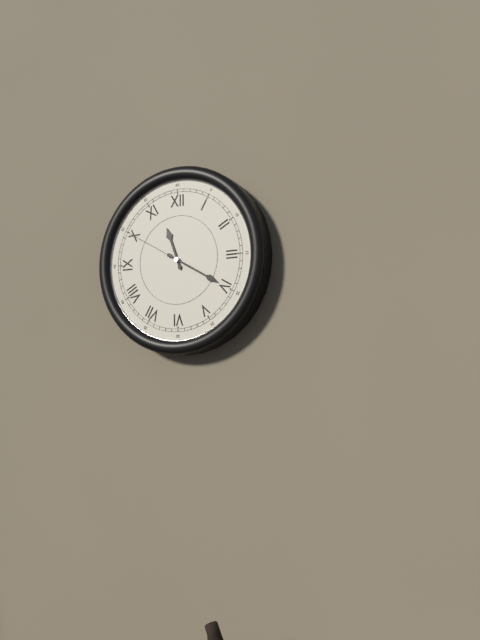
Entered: **11:20:50**
